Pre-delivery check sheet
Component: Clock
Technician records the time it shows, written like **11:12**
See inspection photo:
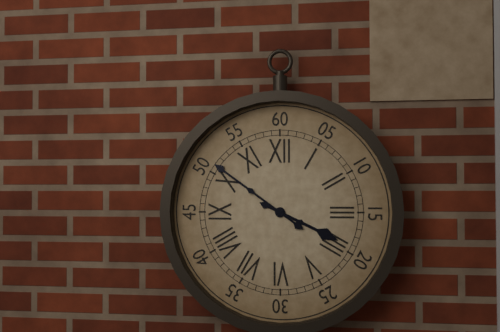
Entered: **3:51**
